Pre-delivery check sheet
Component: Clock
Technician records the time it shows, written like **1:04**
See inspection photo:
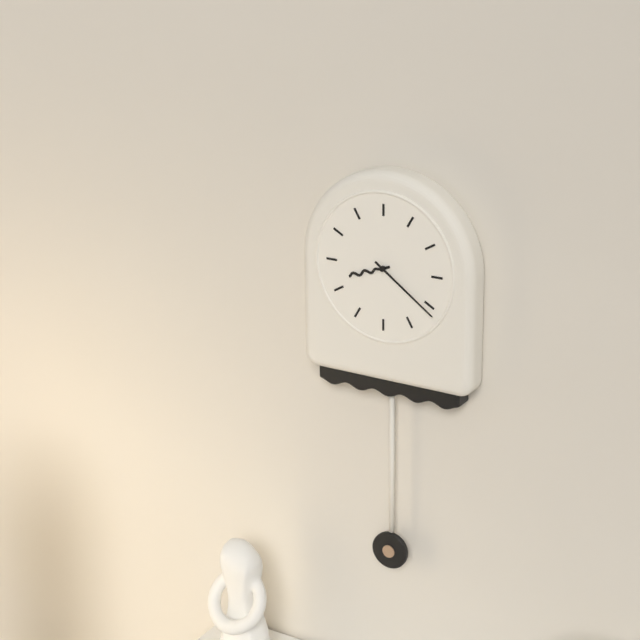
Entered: **8:21**
